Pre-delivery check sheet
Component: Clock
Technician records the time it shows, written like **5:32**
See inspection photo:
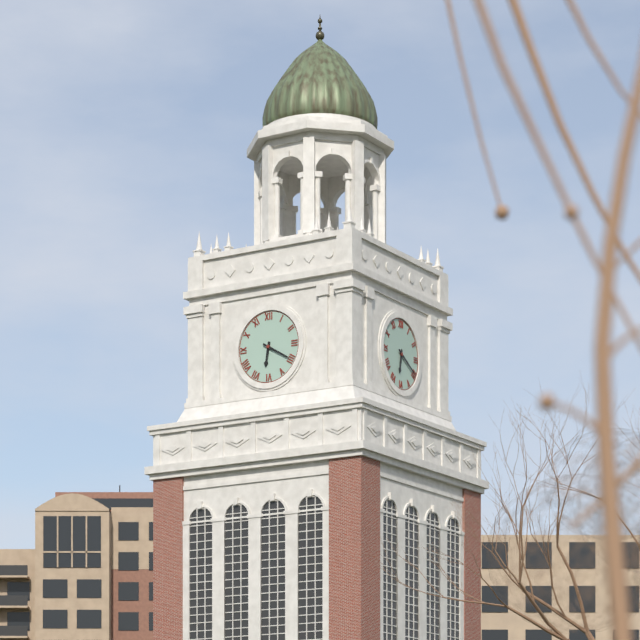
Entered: **6:20**
